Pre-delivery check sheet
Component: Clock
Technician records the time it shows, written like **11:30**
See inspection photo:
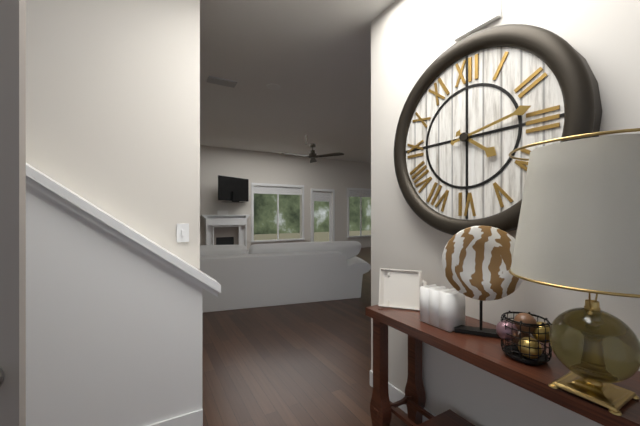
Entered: **4:13**
